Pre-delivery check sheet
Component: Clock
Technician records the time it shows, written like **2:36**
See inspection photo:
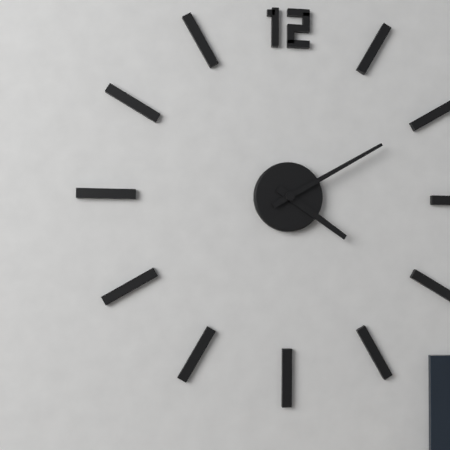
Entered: **4:10**
